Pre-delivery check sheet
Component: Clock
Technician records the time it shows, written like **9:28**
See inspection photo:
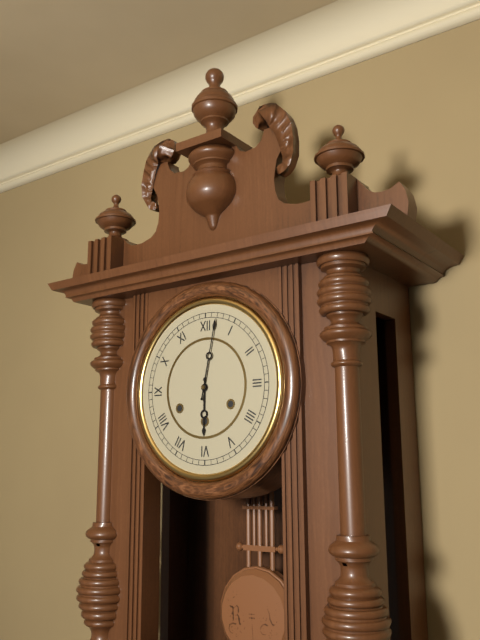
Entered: **6:02**
